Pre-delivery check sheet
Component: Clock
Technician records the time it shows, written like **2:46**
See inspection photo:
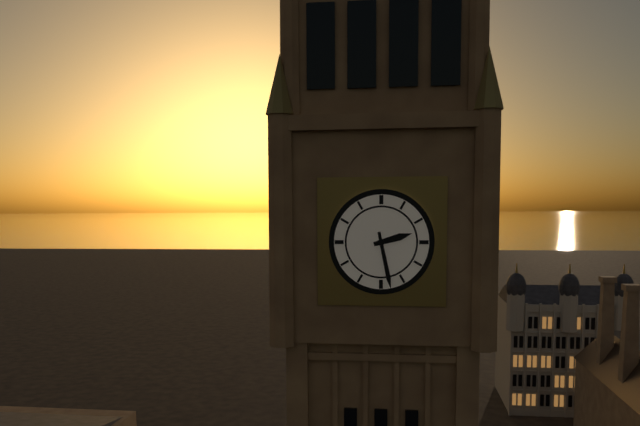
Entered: **2:28**
